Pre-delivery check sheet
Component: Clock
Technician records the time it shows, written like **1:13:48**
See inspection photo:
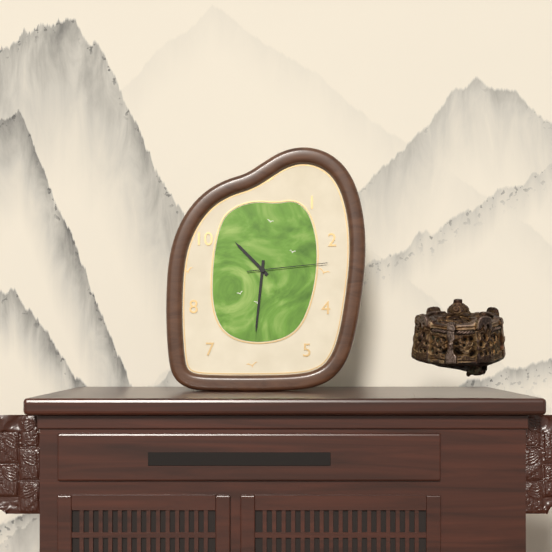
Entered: **10:31:14**
